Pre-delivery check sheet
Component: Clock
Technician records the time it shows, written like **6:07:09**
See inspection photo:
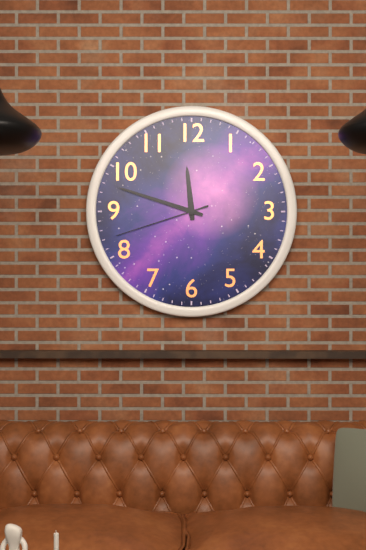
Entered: **11:48:42**
